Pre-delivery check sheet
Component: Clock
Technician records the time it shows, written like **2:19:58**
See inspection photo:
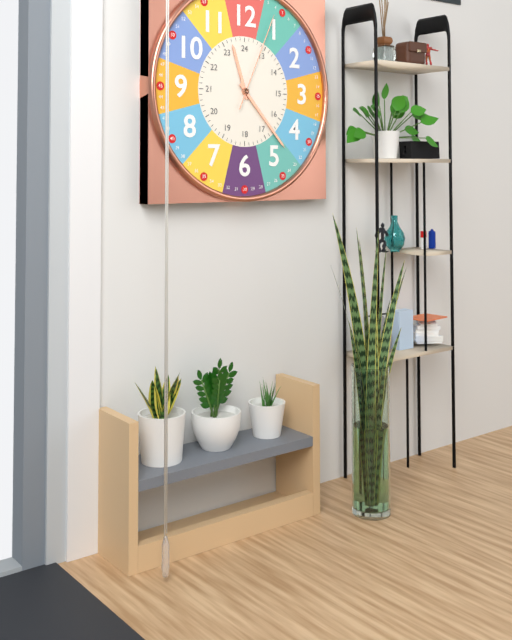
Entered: **11:23:04**
